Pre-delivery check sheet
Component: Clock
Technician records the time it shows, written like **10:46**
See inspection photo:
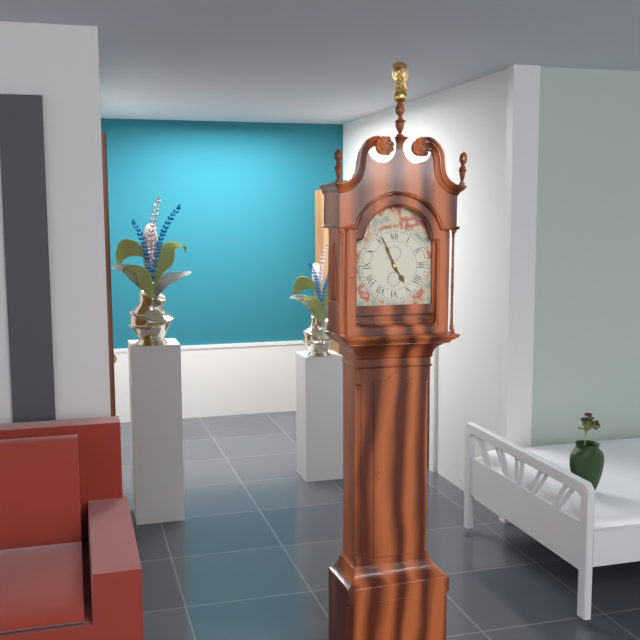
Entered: **4:56**
